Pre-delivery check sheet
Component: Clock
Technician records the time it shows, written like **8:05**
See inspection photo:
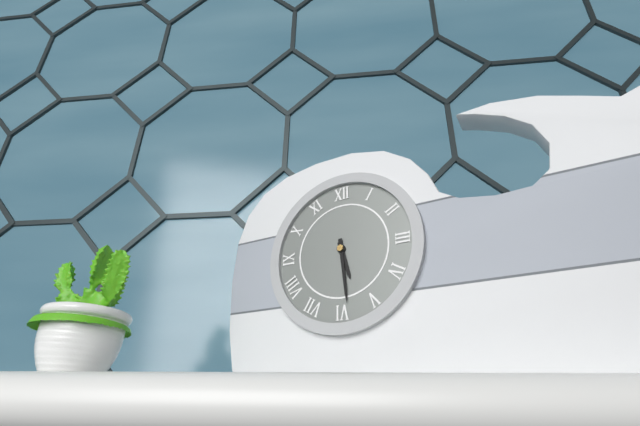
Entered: **5:29**
